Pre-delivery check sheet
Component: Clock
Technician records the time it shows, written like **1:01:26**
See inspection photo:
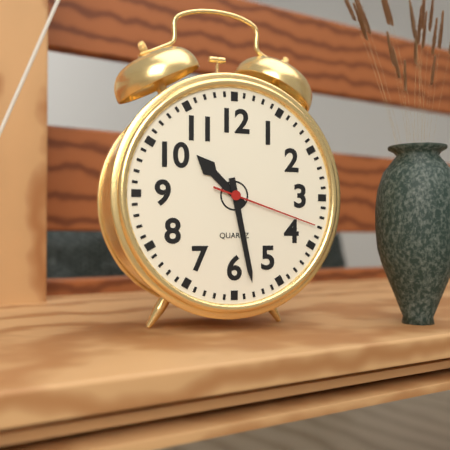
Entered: **10:28:18**
